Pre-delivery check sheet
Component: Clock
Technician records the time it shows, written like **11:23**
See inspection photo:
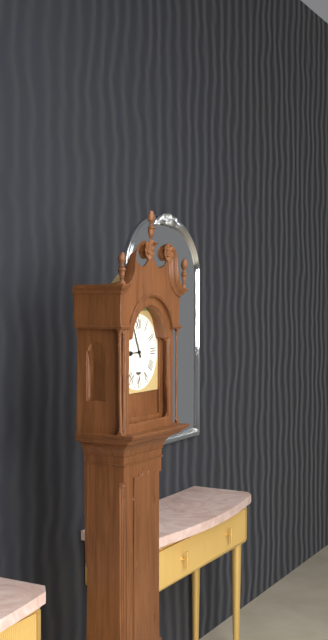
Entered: **8:56**
